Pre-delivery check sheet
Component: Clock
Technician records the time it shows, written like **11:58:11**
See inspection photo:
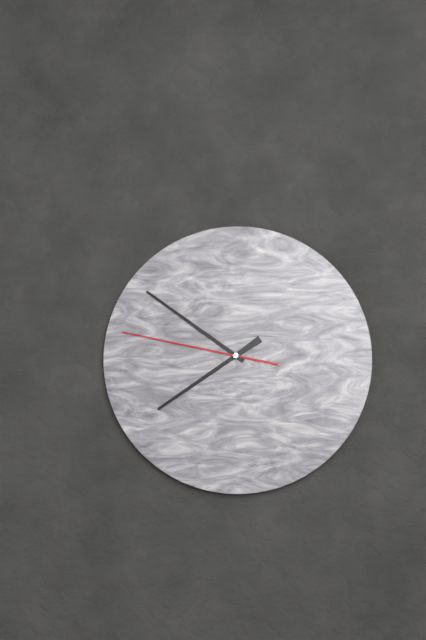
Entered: **7:51:47**
